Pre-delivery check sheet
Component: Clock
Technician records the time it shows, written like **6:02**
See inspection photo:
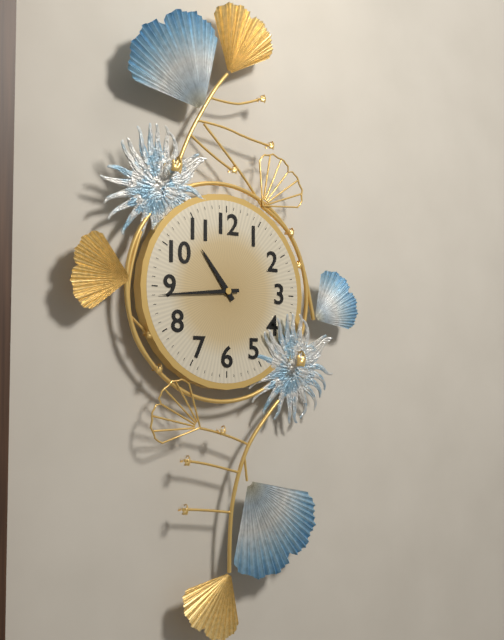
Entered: **10:44**
